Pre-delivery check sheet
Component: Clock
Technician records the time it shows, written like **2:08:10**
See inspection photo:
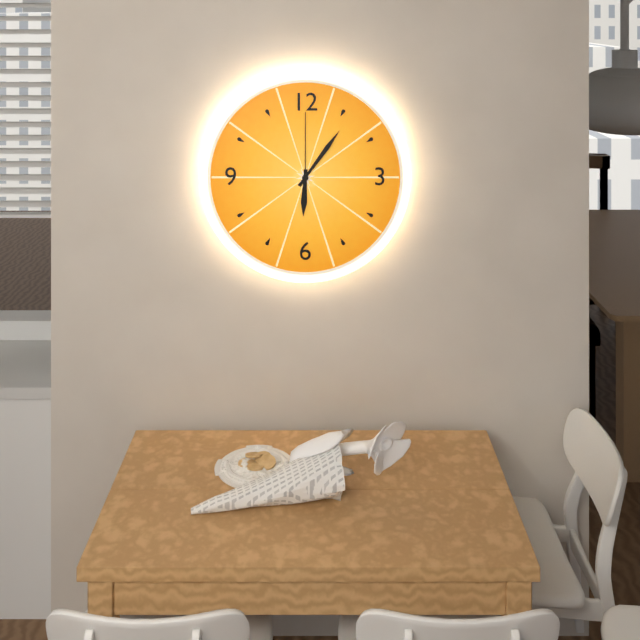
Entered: **6:06:00**
